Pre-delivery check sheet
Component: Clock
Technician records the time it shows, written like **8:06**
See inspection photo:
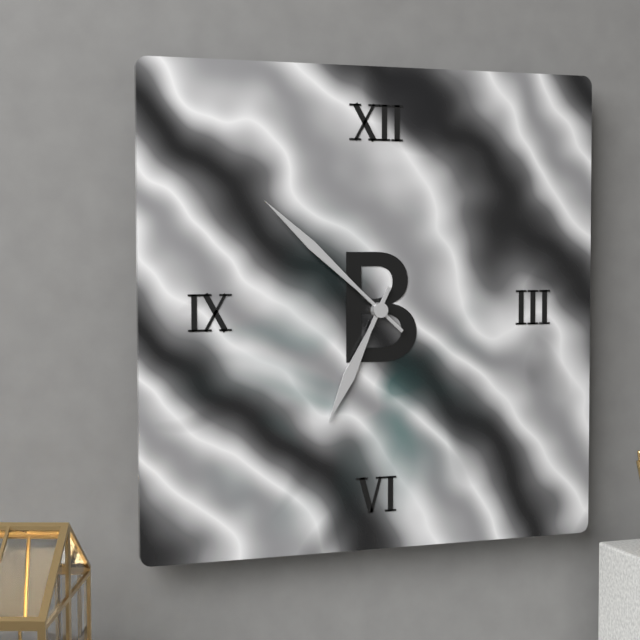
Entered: **6:52**
